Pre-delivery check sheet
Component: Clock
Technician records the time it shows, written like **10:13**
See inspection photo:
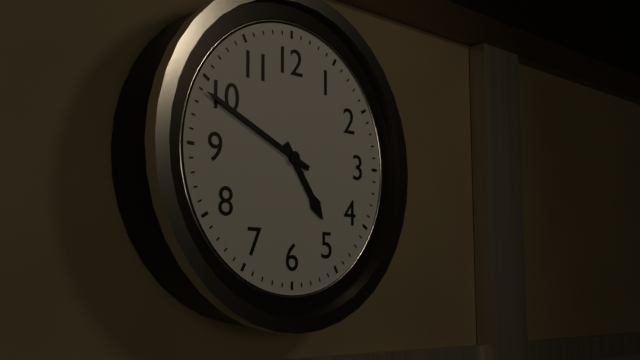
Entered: **4:49**
